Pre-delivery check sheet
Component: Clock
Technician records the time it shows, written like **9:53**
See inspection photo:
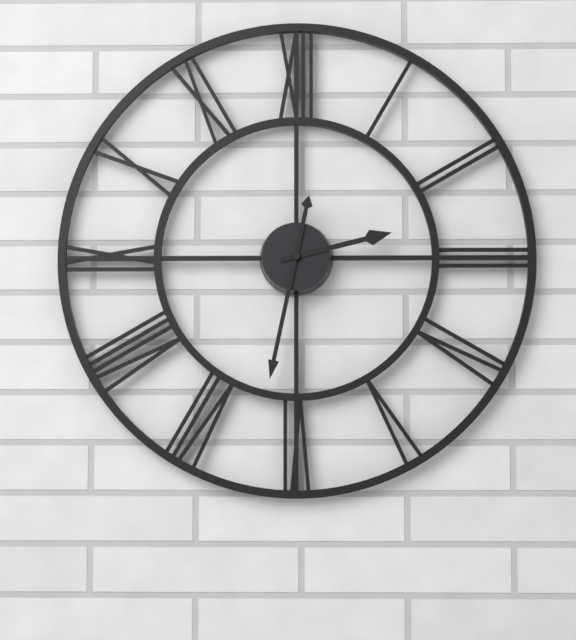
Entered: **2:32**
